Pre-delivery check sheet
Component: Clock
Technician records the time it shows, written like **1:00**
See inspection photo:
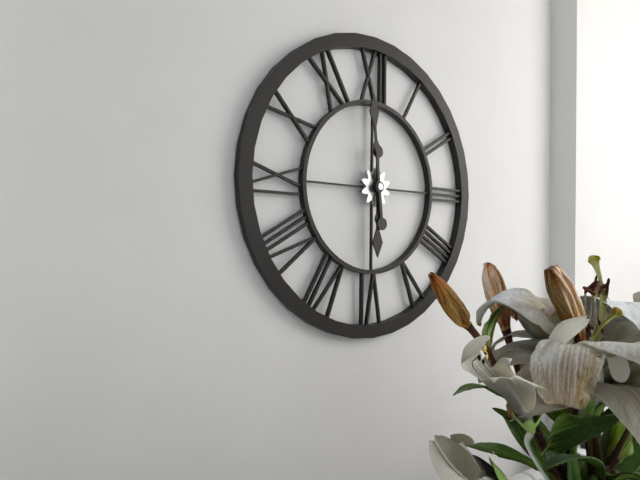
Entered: **5:59**
